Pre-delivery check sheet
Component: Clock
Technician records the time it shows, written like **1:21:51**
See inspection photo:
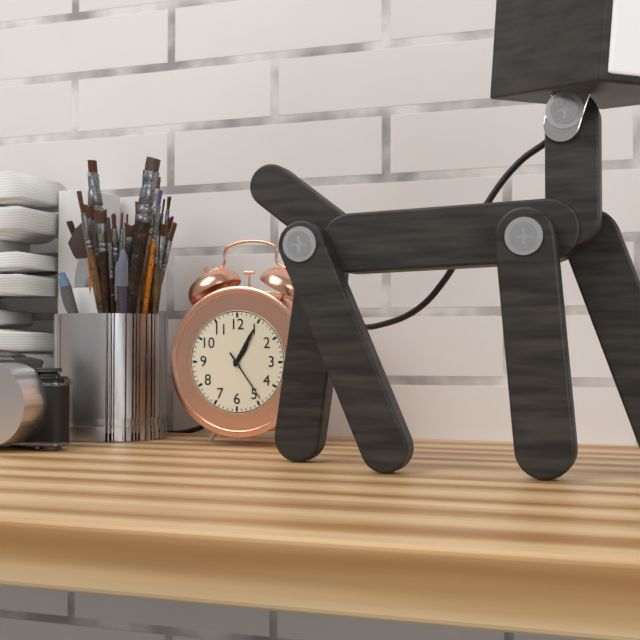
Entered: **1:05:24**
